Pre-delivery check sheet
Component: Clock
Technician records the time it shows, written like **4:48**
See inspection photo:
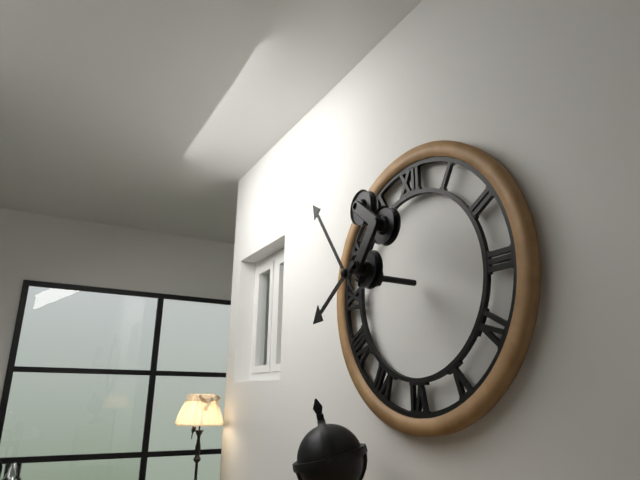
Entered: **7:54**
